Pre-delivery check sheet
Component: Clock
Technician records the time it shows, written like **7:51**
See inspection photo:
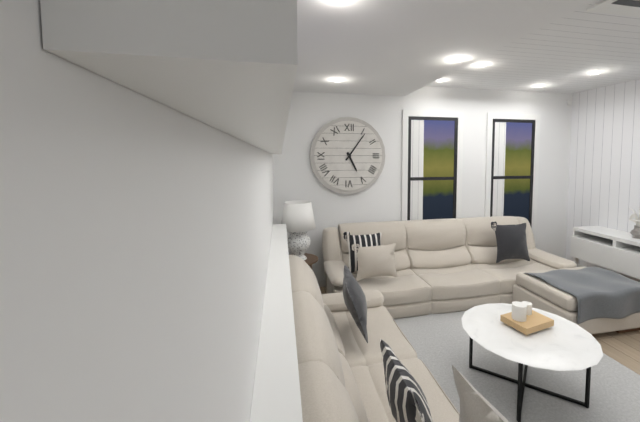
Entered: **5:06**
